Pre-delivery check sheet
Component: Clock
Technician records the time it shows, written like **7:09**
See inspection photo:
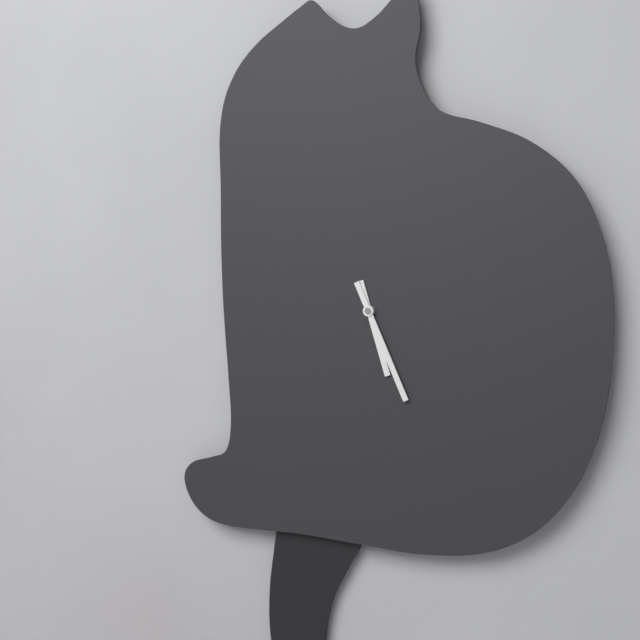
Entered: **5:26**
